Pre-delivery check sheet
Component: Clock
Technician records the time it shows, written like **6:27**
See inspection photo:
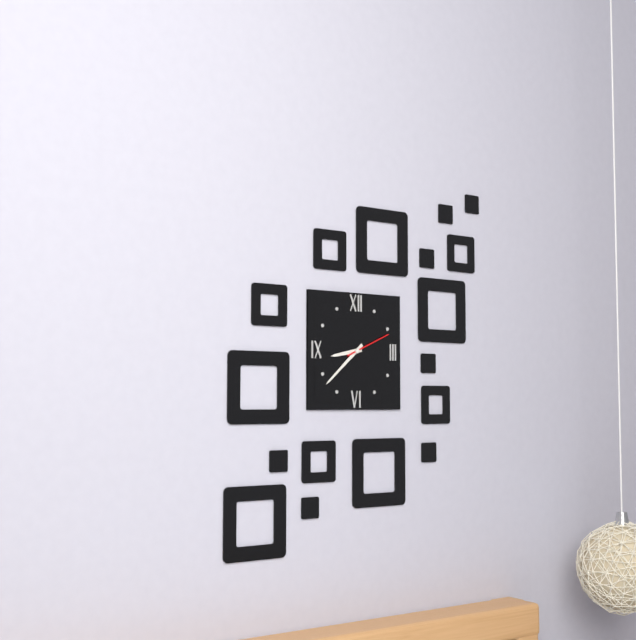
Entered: **8:38**
